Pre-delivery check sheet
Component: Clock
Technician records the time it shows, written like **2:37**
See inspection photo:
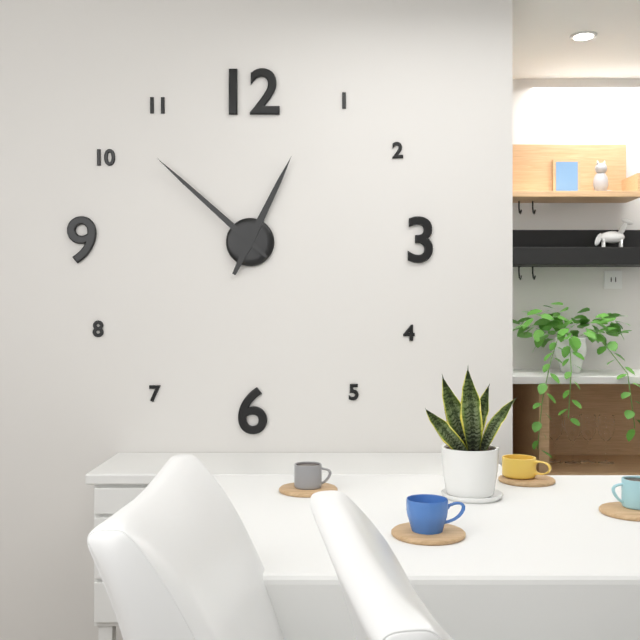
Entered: **12:52**
